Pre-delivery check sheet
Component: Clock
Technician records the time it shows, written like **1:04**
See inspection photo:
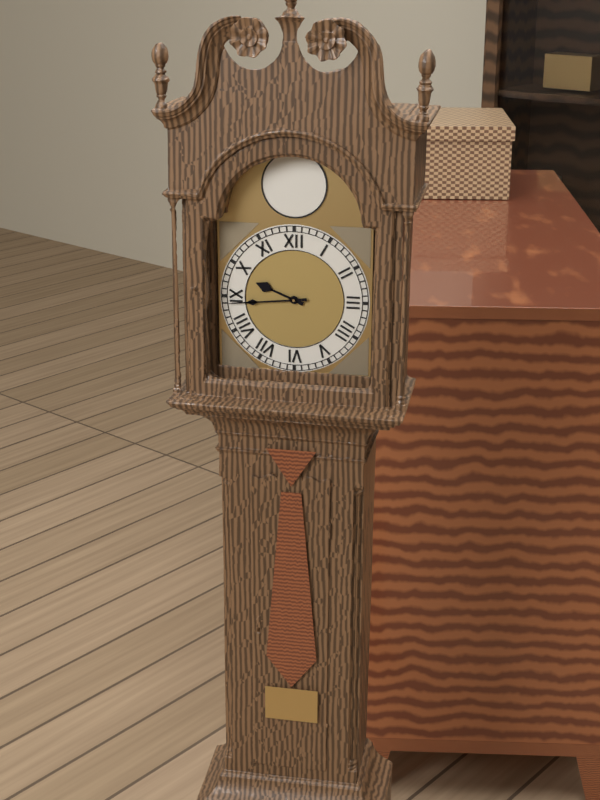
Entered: **9:44**
